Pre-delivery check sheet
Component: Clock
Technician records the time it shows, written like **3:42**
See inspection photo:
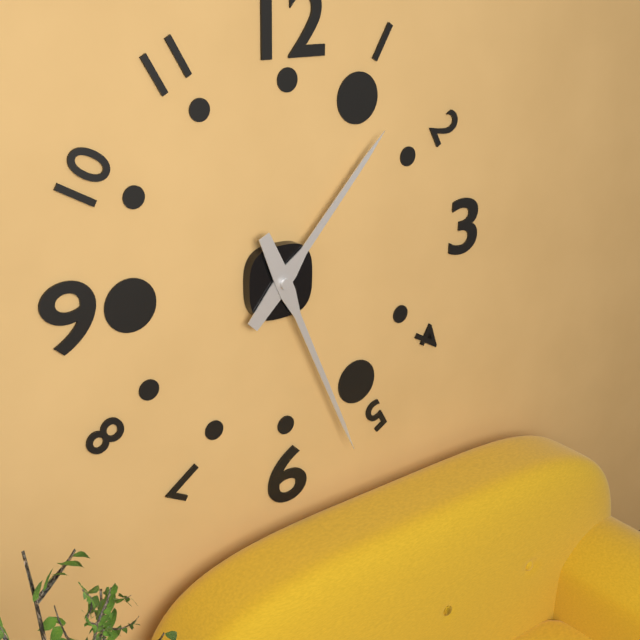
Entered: **1:26**
